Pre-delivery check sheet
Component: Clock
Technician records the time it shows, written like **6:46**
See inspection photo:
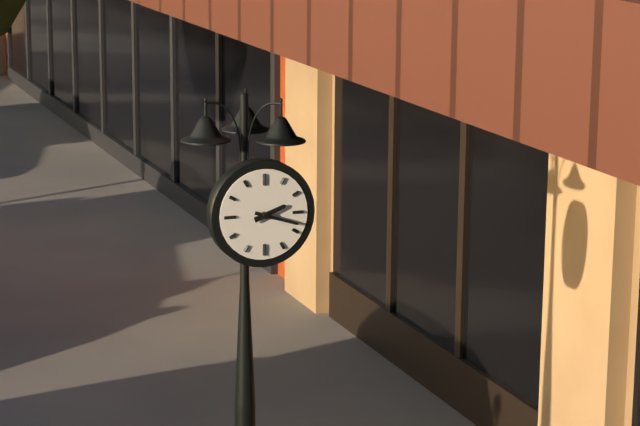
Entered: **2:18**
